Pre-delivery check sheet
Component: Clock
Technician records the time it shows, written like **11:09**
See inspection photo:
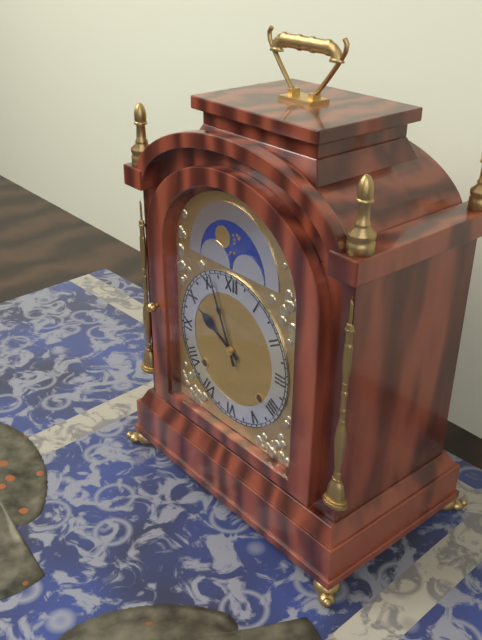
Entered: **9:56**
